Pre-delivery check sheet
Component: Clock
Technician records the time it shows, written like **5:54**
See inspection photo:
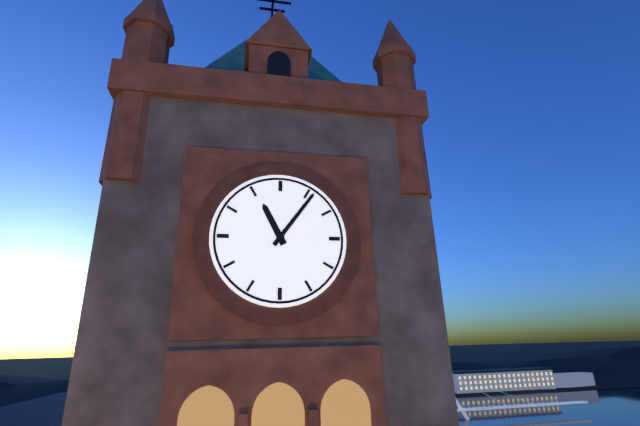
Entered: **11:06**
